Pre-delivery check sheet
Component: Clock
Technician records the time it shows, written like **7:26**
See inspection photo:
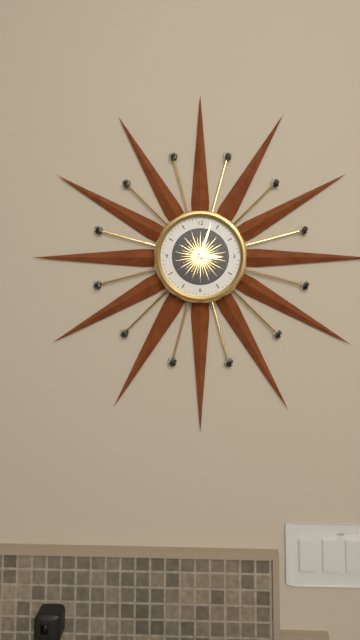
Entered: **3:03**
